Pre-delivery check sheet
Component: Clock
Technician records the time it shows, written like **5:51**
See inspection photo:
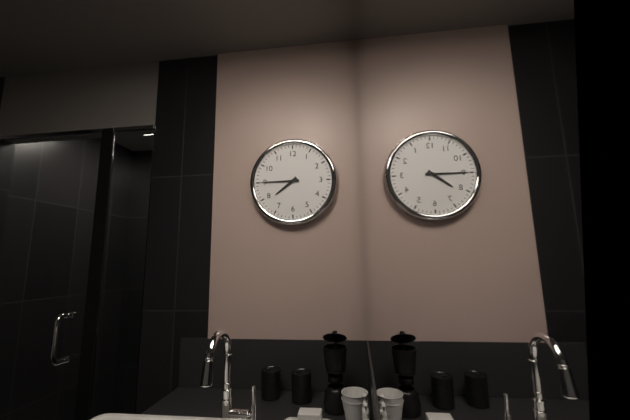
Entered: **7:45**
